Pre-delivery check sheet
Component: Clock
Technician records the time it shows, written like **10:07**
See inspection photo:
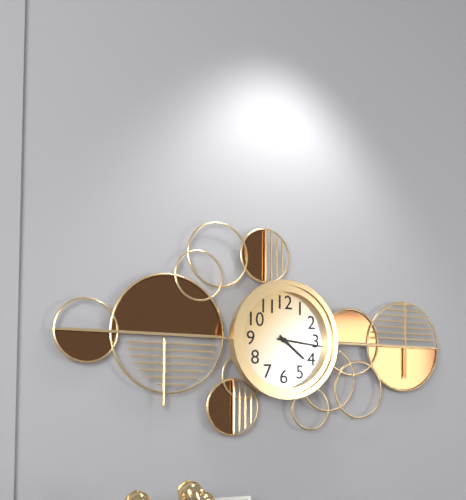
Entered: **4:16**
